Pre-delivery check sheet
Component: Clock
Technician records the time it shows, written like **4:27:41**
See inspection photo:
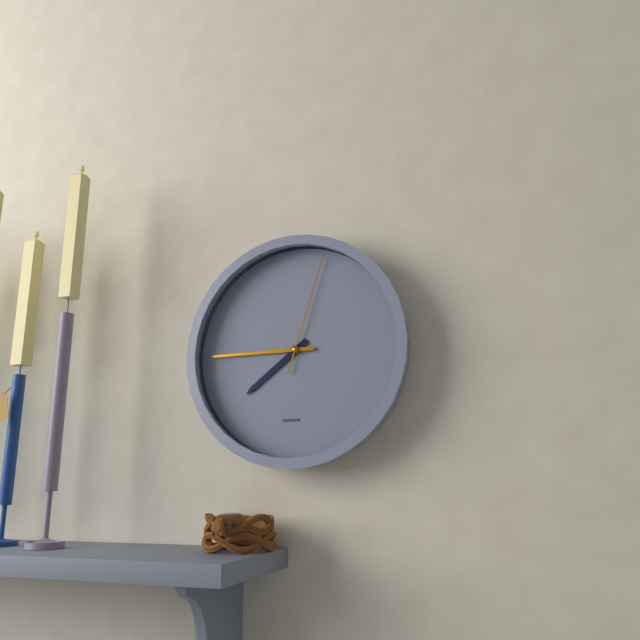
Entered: **7:45:03**
